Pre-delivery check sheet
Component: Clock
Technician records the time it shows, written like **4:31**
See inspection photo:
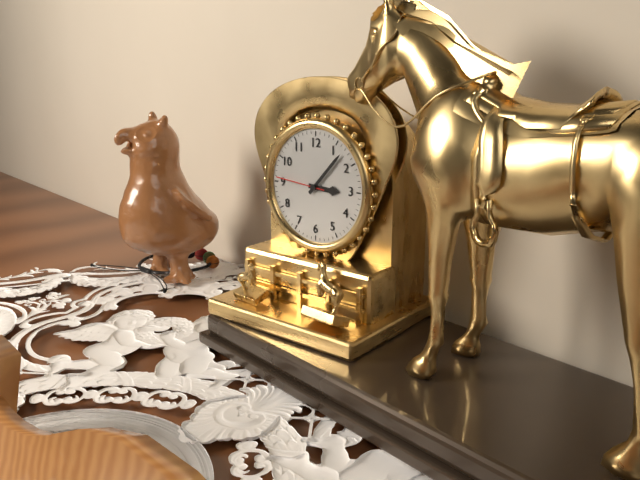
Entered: **3:07**
